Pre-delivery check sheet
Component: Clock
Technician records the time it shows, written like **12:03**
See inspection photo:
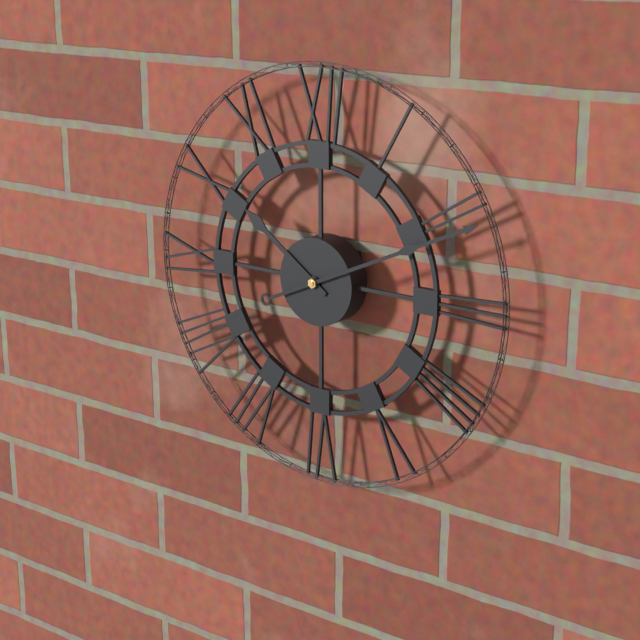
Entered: **10:11**
